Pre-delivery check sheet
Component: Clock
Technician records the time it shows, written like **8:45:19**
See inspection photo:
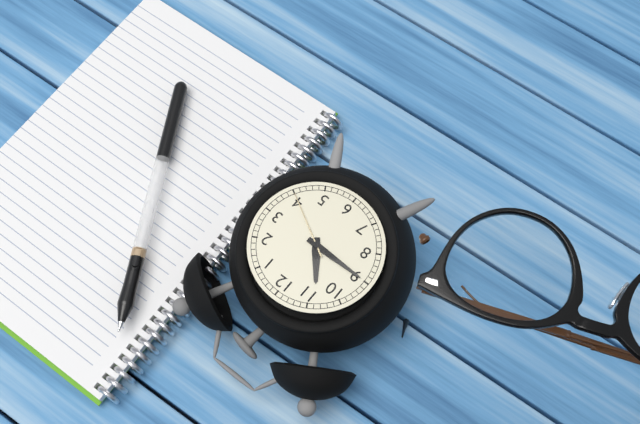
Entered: **10:45:20**
